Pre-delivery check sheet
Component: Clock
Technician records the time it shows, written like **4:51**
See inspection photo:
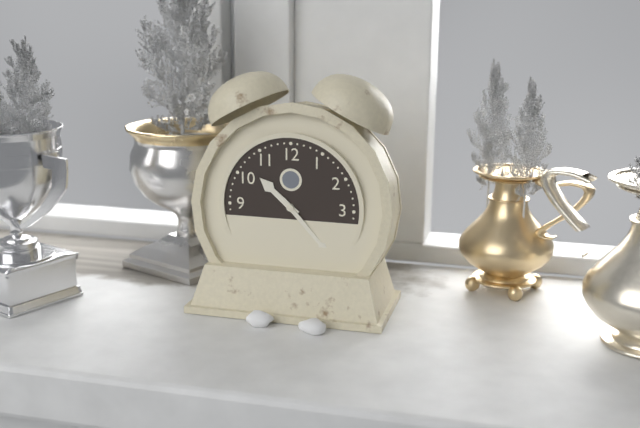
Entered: **10:23**
